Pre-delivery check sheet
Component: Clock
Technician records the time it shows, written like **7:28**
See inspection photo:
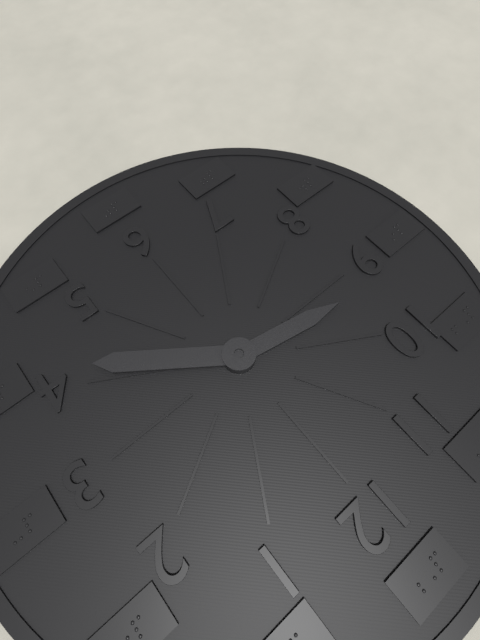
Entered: **9:21**
